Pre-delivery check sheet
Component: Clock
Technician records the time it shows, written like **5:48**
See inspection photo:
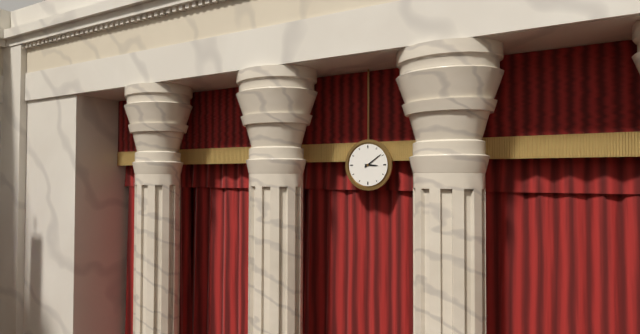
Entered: **3:09**
